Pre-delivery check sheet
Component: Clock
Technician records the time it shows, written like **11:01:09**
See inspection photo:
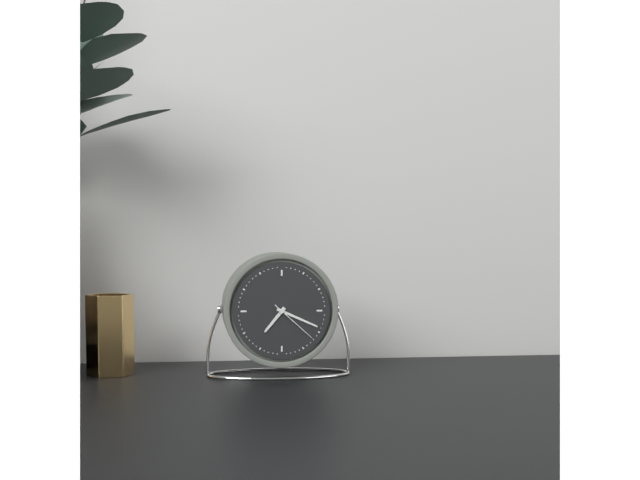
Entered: **7:19:22**
